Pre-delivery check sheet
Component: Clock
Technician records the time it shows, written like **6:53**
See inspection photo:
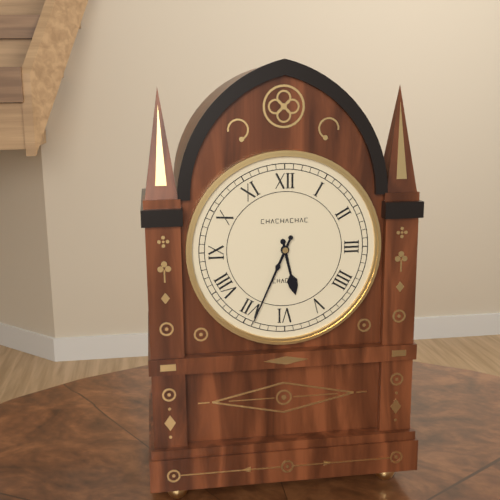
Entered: **5:34**
